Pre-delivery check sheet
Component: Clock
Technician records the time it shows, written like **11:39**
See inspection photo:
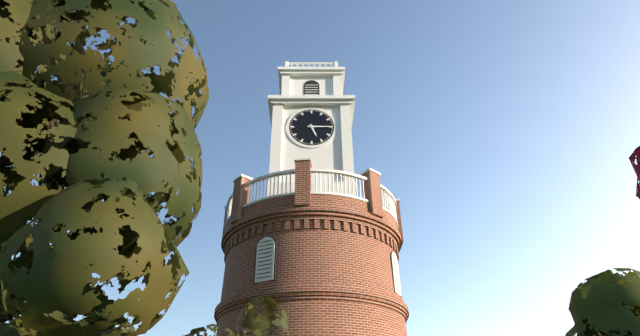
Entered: **5:15**
